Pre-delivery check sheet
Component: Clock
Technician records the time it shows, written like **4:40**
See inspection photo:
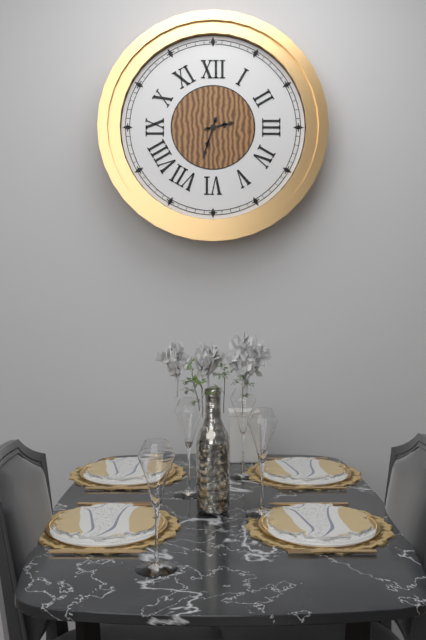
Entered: **2:33**
